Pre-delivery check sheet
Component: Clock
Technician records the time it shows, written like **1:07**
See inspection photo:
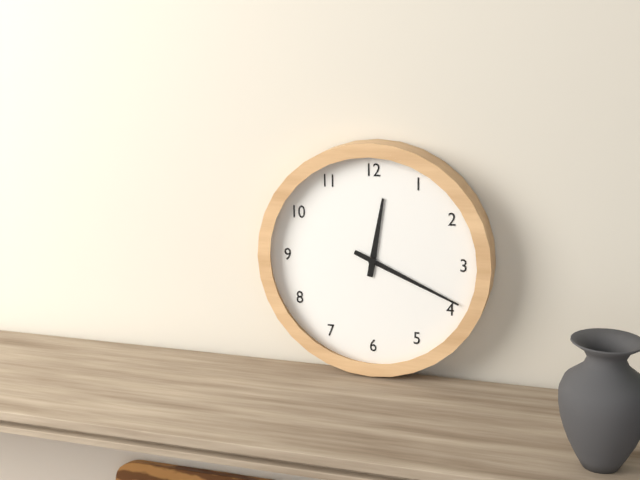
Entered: **12:19**
